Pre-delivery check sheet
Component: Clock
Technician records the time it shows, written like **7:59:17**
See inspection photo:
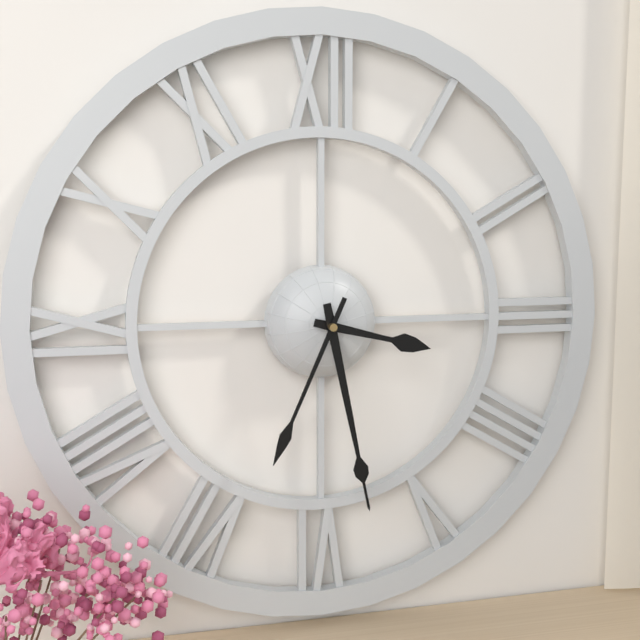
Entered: **3:28:34**
